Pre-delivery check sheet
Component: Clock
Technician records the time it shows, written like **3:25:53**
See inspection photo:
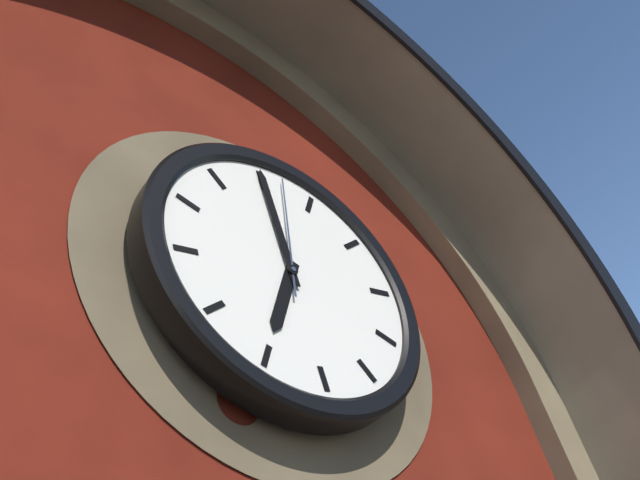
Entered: **7:00:02**
